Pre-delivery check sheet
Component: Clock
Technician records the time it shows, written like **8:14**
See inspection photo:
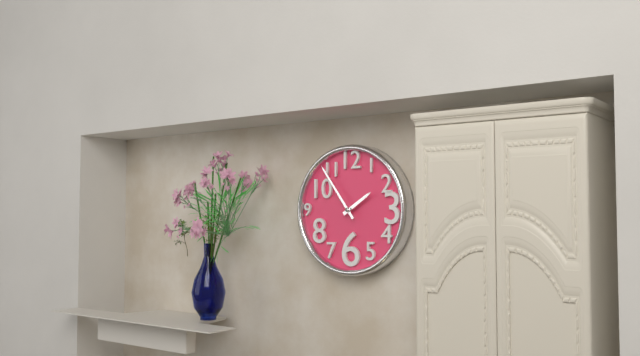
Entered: **1:54**
